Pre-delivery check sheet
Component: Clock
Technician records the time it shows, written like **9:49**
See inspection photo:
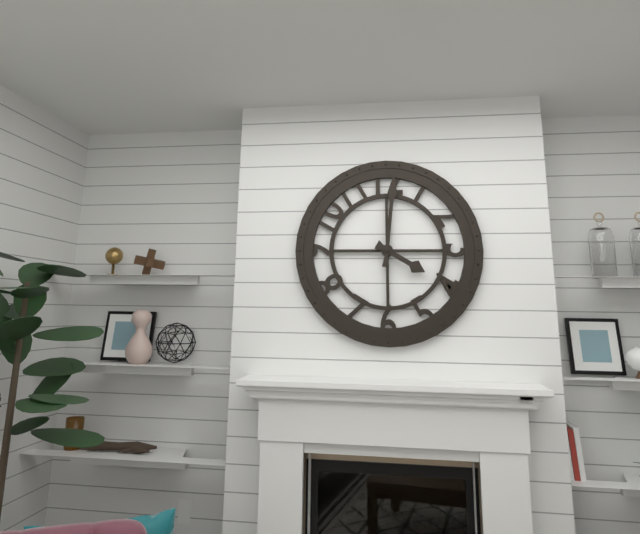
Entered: **4:01**
